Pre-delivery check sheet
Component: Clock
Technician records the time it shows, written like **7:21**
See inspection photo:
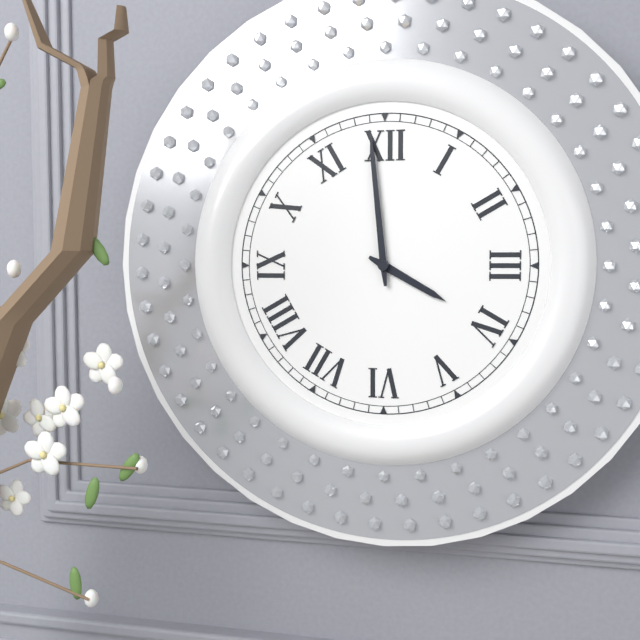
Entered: **3:59**
